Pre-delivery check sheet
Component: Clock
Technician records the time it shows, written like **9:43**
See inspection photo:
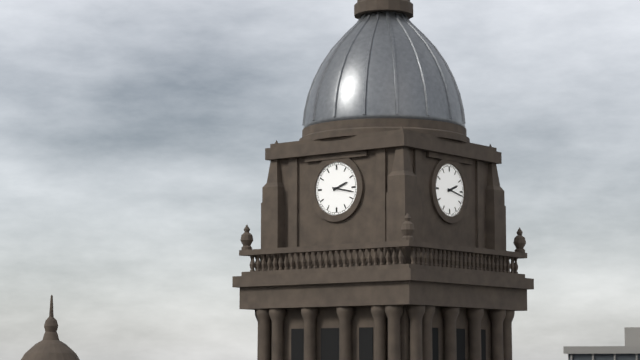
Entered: **2:17**
